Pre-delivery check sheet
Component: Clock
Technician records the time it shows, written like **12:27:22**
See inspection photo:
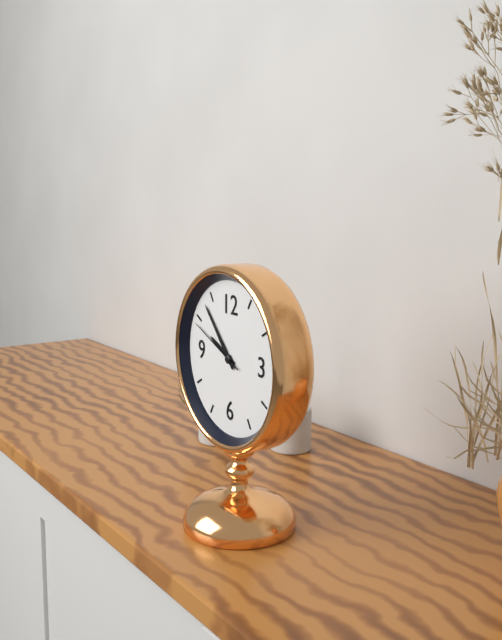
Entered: **9:53:49**
